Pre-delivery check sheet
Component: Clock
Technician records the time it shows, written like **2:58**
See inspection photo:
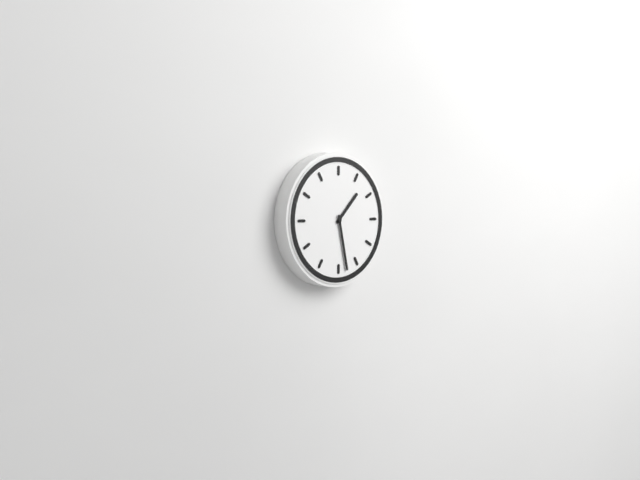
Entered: **1:28**
